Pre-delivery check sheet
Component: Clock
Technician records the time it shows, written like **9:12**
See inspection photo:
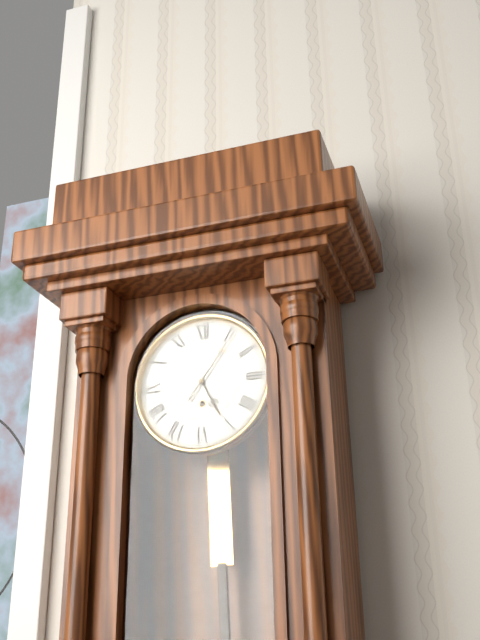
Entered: **5:06**
